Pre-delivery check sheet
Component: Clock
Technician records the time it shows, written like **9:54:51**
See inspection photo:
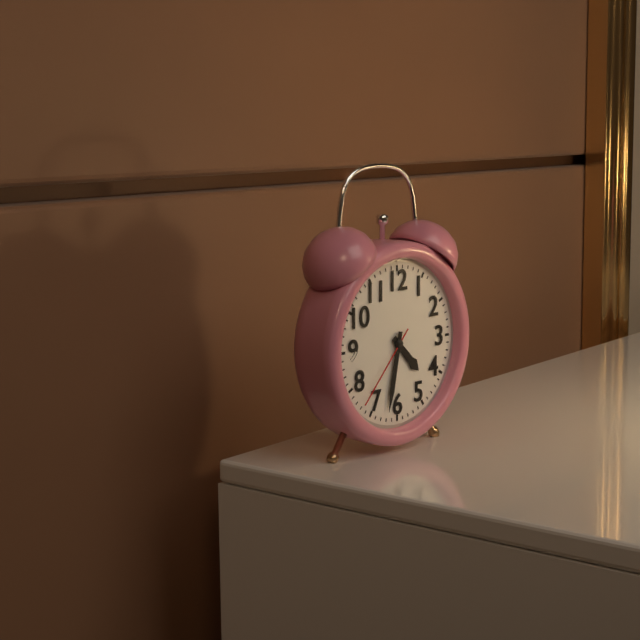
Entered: **4:32:37**
